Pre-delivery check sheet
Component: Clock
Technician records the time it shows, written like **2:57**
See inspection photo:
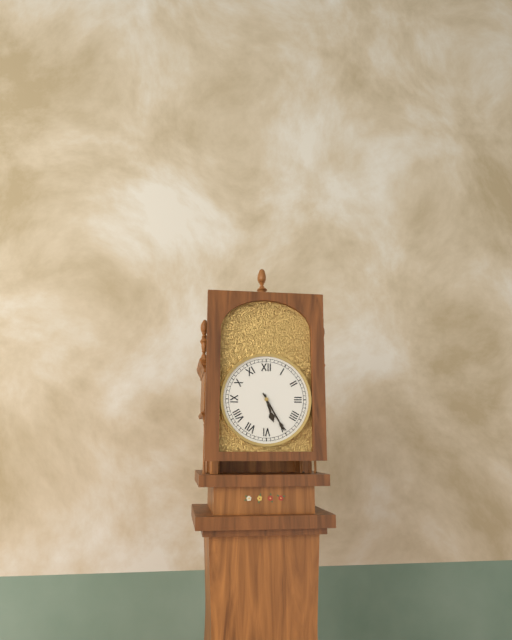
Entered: **5:25**
